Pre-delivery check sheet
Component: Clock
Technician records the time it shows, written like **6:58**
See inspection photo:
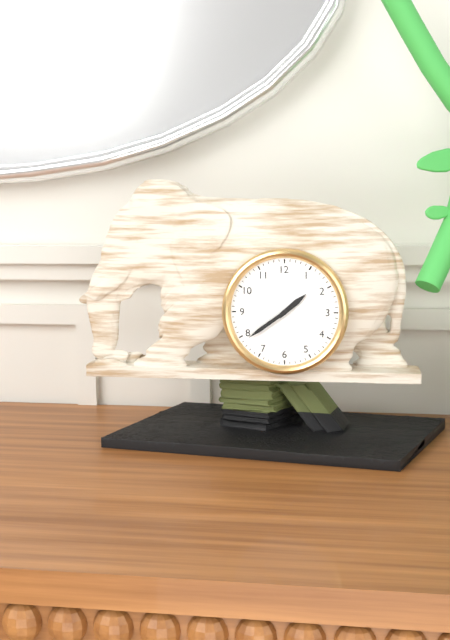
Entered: **1:39**
